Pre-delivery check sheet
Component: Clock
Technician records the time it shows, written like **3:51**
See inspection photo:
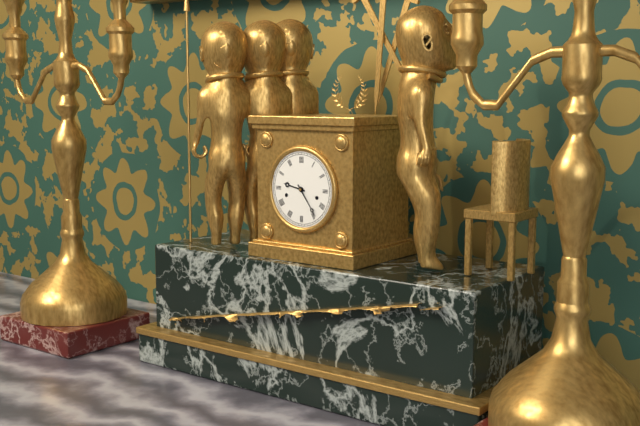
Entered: **9:24**
